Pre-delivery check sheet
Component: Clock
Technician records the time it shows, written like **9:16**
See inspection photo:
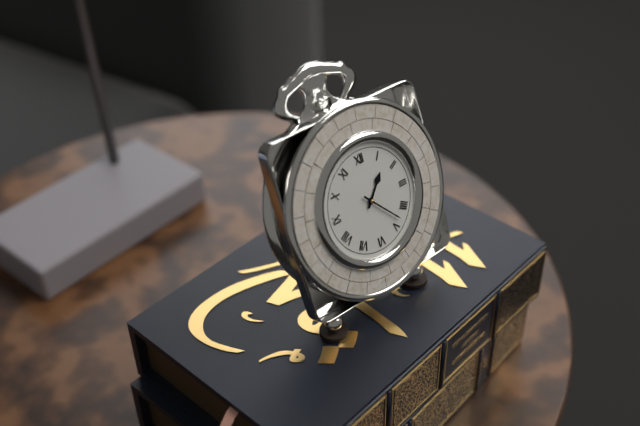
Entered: **1:23**
